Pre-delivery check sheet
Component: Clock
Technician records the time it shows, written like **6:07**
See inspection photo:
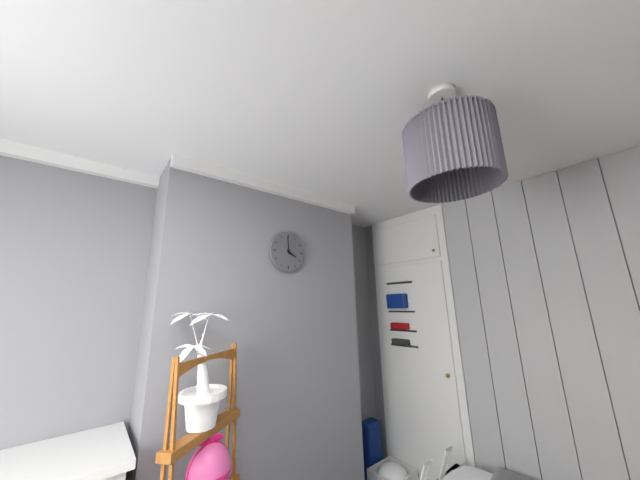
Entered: **3:59**
